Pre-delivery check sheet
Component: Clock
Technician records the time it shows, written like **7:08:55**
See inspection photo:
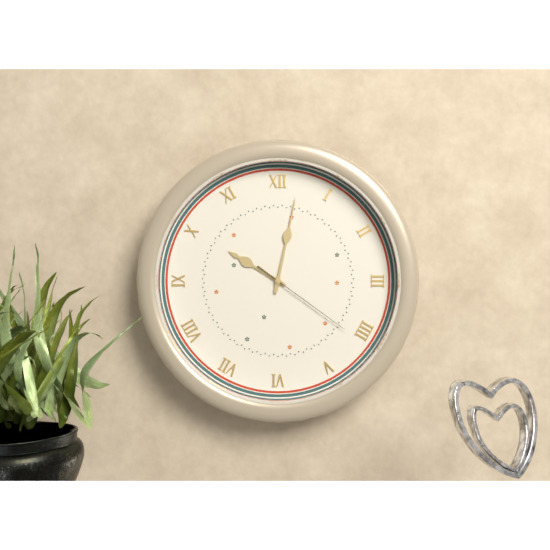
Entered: **10:02:21**
